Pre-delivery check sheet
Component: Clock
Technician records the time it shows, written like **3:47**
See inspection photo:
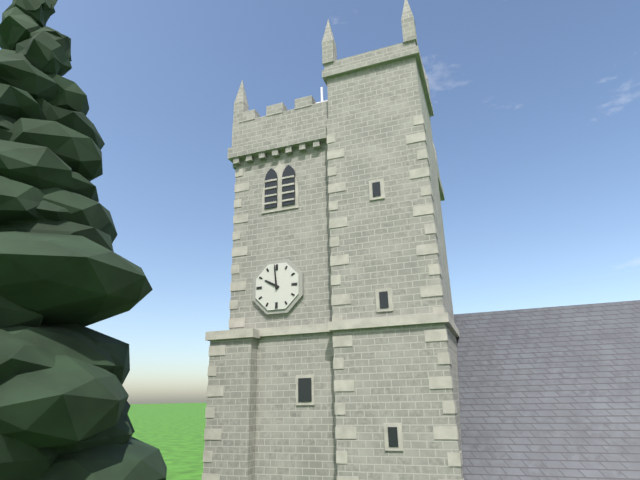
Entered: **9:59**
